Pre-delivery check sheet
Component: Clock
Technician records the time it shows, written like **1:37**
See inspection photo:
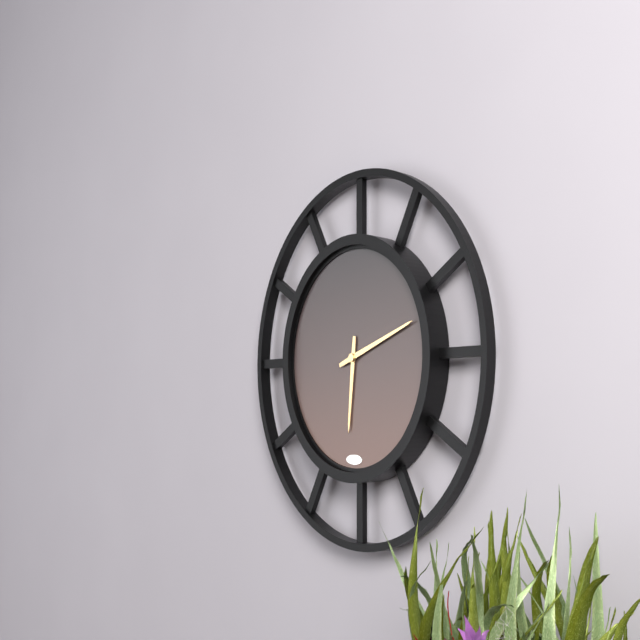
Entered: **6:12**
